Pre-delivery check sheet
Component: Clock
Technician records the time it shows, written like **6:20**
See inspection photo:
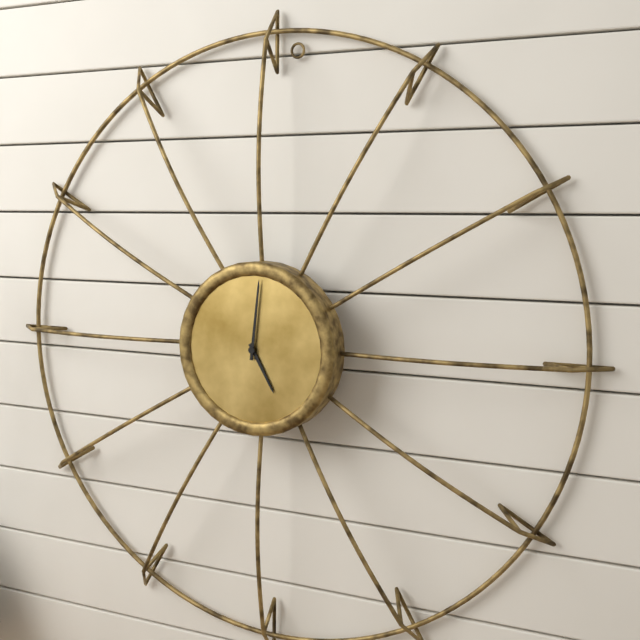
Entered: **5:01**
